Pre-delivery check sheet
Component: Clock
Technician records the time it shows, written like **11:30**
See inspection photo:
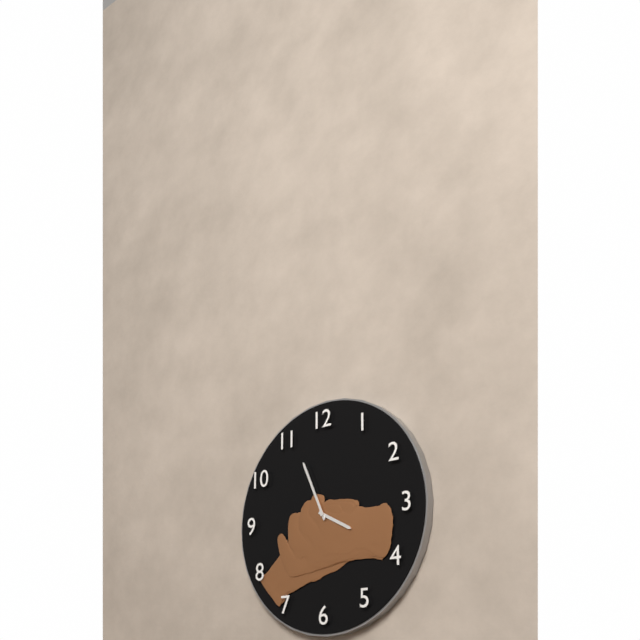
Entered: **3:56**
